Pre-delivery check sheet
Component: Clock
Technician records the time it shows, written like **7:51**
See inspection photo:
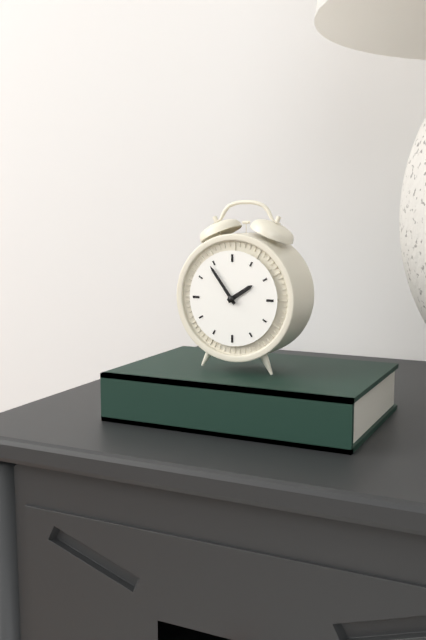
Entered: **1:54**
